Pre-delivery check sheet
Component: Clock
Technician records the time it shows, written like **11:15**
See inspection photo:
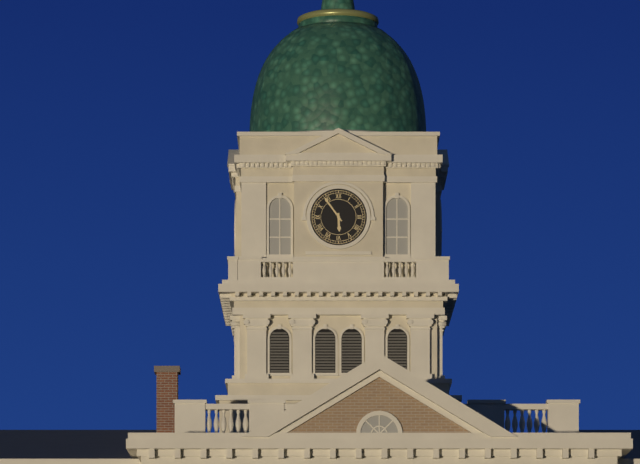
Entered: **5:54**
